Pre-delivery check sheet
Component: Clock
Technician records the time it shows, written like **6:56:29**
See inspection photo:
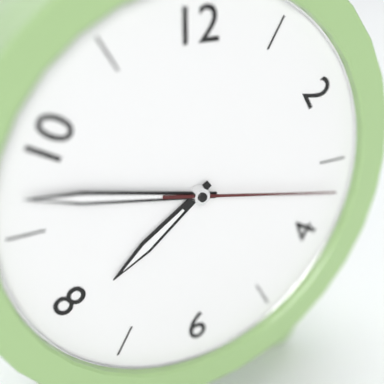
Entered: **7:47:17**
